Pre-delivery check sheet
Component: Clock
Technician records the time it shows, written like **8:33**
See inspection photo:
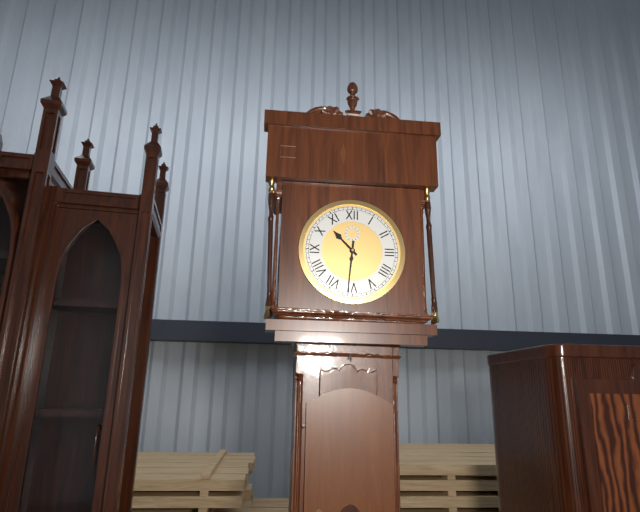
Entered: **10:31**
